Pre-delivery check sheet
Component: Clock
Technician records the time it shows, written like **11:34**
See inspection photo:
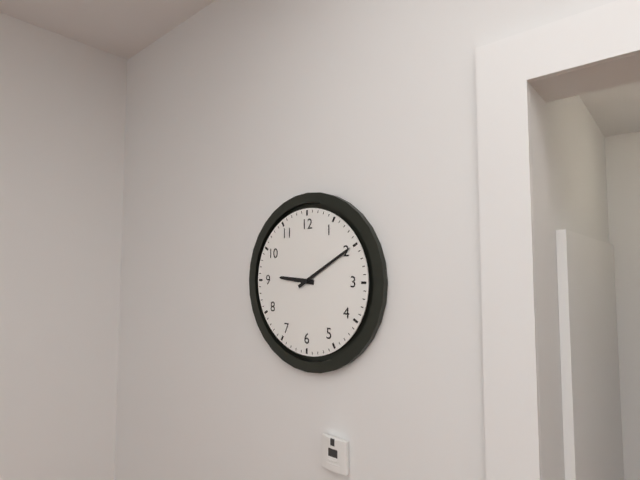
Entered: **9:10**
